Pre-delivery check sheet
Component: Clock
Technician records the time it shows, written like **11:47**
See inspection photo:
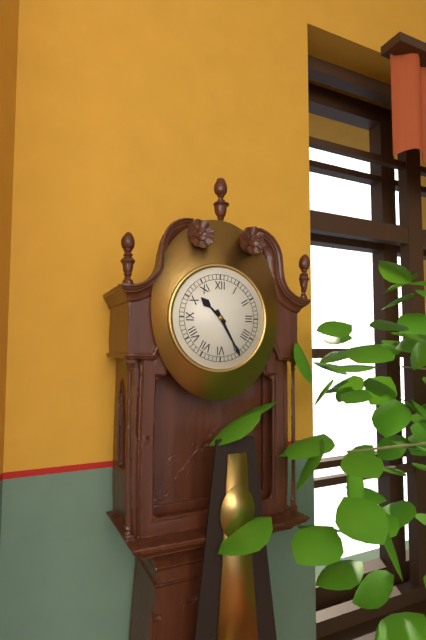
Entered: **10:25**
